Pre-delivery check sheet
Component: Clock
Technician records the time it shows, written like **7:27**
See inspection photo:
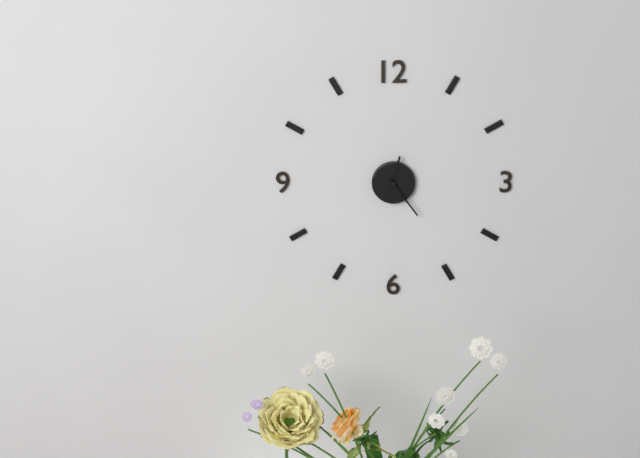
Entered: **12:24**
